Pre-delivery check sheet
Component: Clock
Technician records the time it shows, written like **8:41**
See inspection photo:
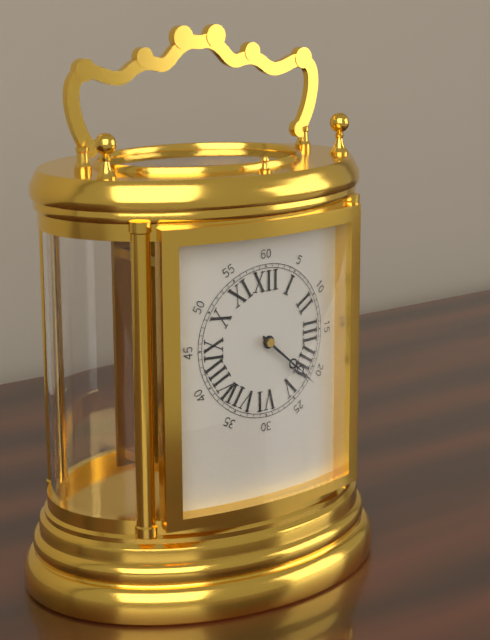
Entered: **4:22**
